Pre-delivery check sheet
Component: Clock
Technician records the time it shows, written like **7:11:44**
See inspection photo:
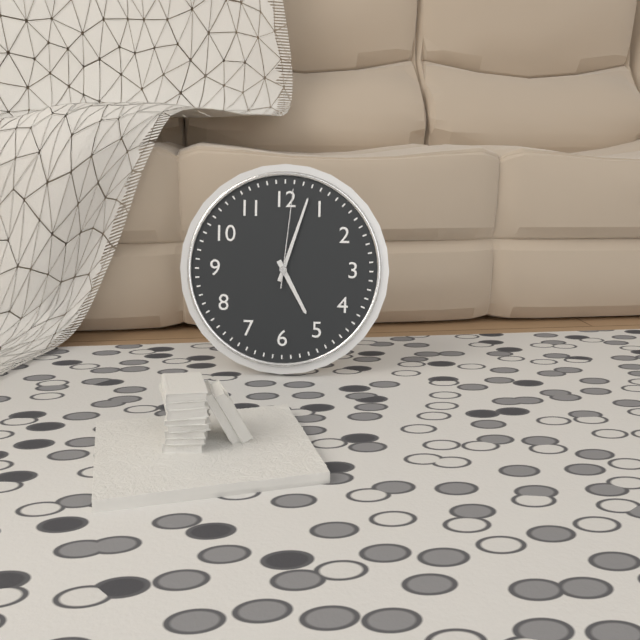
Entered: **5:03:01**
